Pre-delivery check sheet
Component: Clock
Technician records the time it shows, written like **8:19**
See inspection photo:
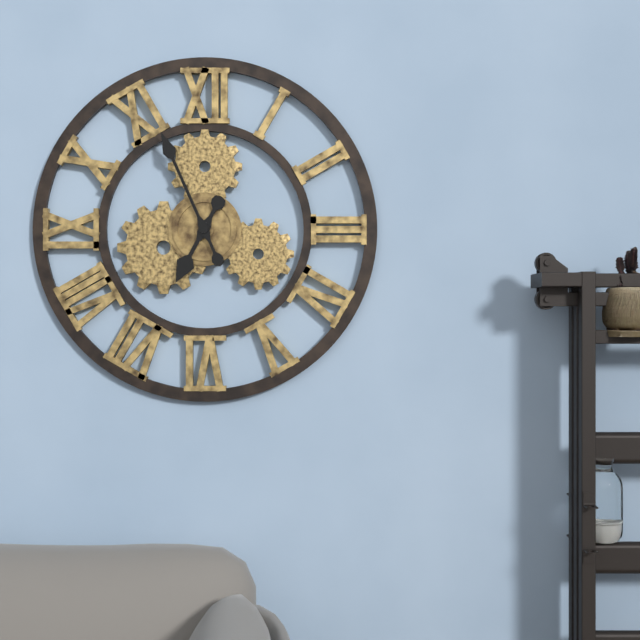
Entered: **6:56**
